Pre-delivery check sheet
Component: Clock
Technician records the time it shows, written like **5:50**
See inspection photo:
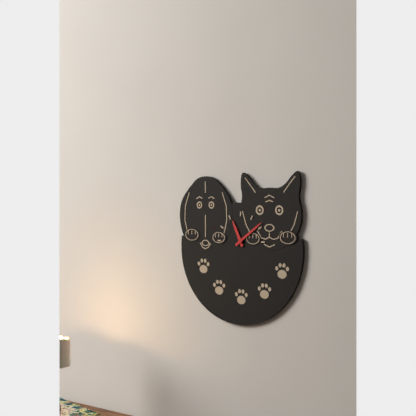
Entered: **11:09**
